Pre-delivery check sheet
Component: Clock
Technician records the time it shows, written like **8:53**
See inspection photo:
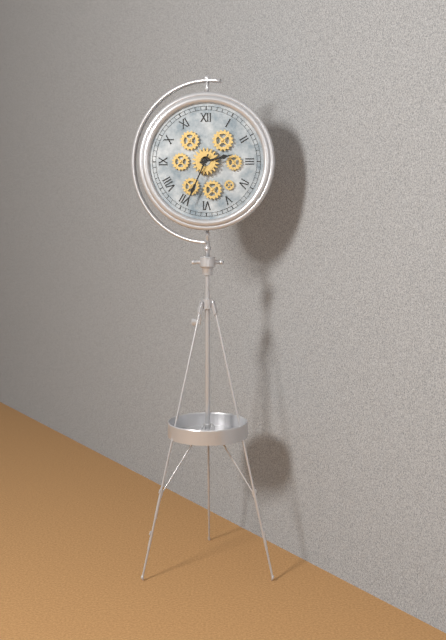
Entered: **2:34**
